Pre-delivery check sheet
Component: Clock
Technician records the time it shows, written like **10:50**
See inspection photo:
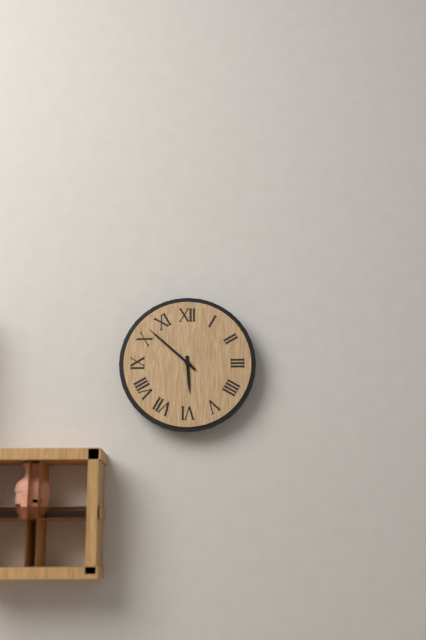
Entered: **5:52**
